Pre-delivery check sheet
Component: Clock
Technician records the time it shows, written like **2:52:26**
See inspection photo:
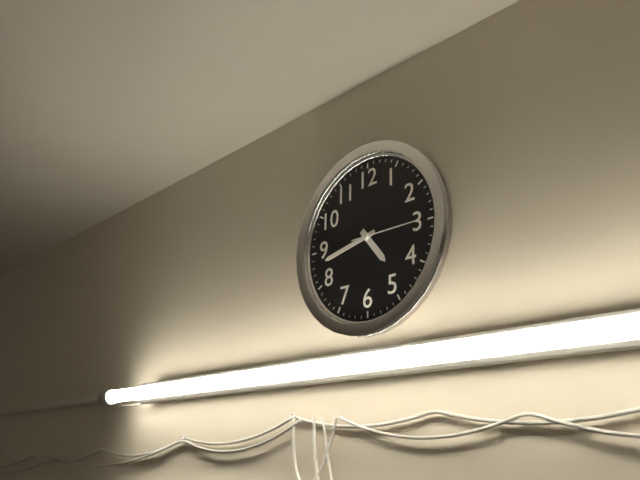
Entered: **4:43:15**
